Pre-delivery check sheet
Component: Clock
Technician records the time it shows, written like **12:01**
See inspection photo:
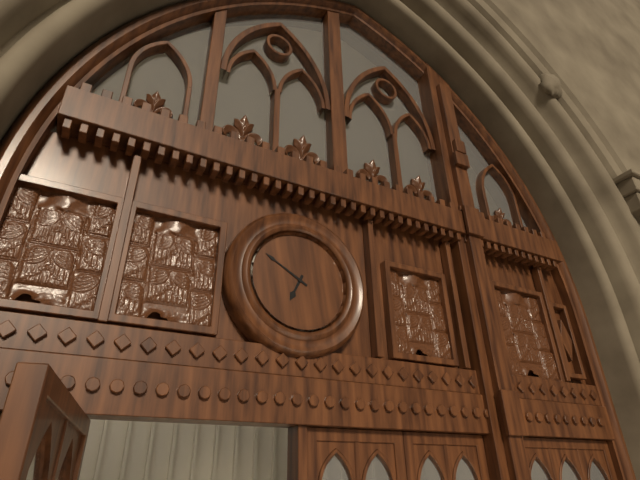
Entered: **6:50**
